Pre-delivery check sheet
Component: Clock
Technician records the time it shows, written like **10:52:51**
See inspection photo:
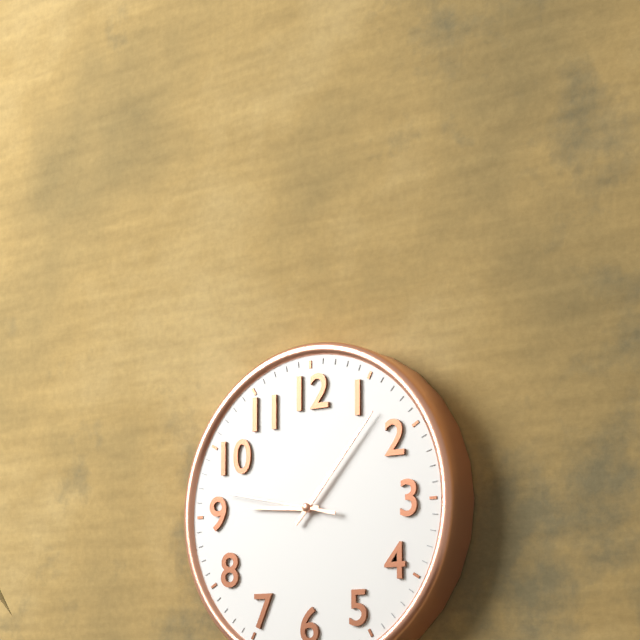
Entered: **9:07:47**
